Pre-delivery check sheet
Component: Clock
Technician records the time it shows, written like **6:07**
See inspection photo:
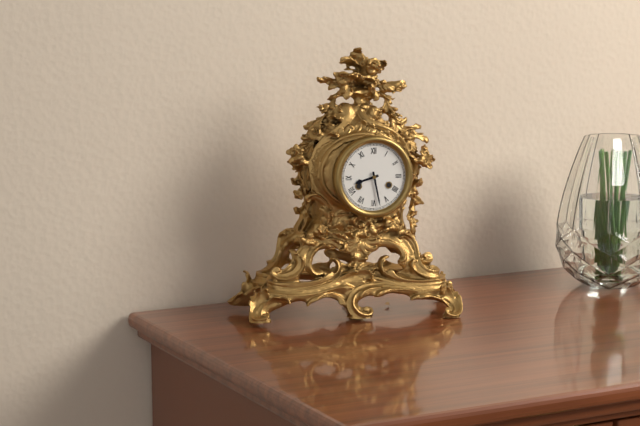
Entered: **8:28**
